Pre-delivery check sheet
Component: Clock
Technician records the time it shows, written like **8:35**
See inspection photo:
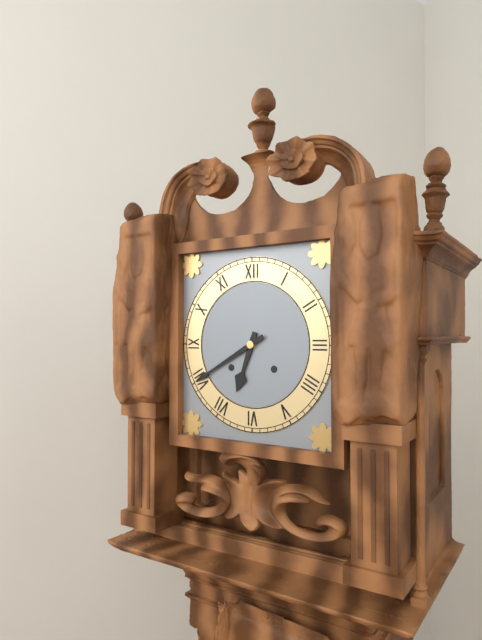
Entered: **6:40**
